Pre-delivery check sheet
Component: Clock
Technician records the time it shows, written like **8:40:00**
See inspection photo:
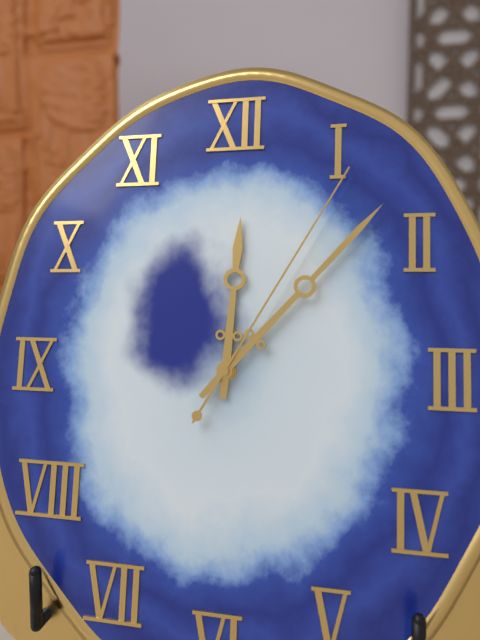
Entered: **12:07:05**
